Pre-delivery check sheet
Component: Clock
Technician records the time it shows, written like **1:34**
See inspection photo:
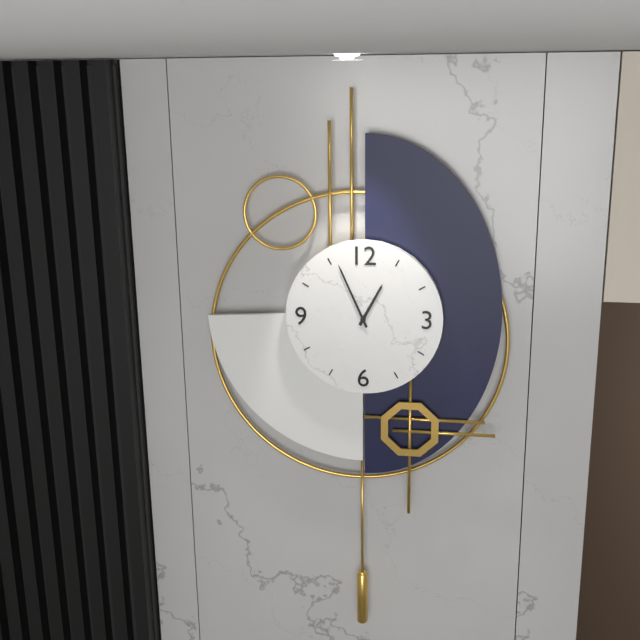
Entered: **12:56**
